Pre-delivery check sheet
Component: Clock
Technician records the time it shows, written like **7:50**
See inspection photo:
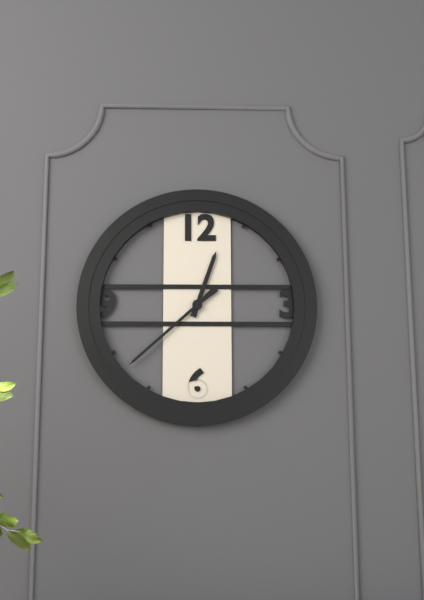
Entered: **12:38**
